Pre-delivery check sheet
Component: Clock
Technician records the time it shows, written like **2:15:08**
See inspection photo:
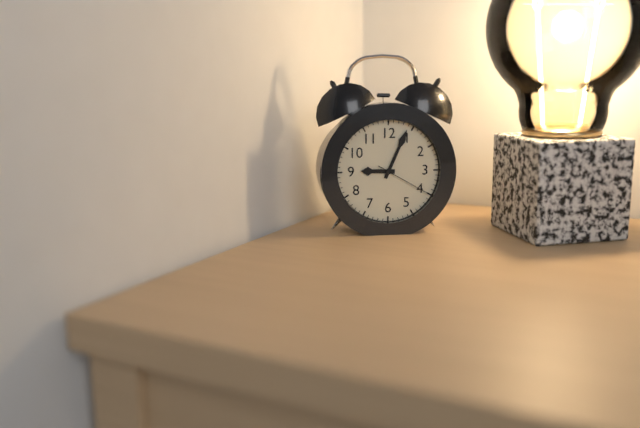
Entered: **9:04:20**
